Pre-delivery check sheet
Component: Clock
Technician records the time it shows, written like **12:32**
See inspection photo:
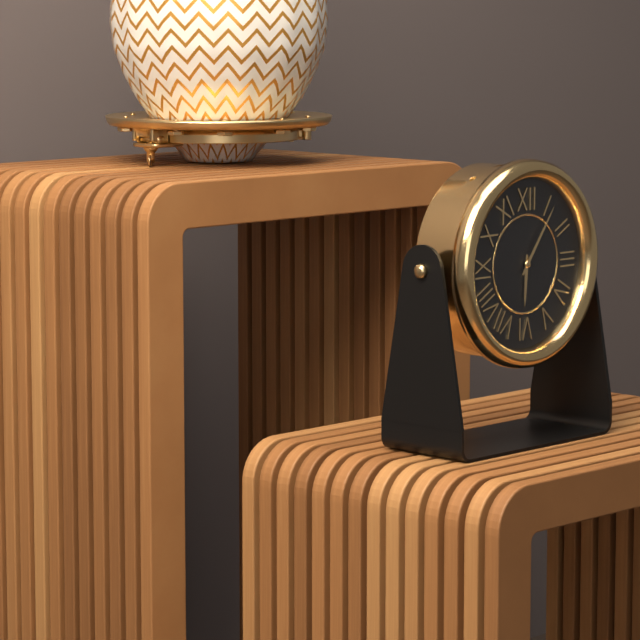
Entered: **6:06**
